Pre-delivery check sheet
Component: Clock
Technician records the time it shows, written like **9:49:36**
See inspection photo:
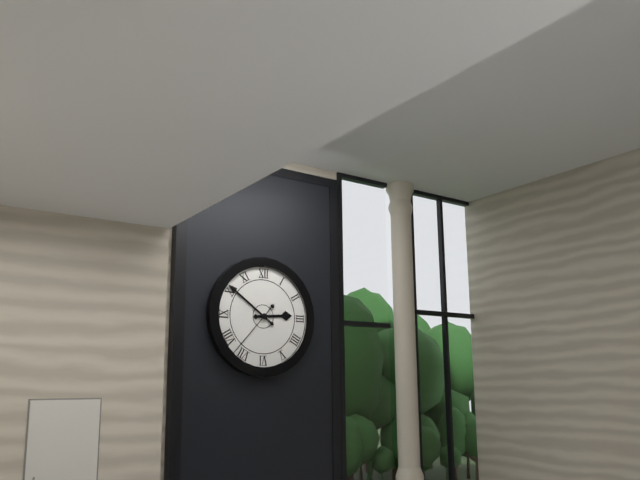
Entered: **2:51:37**
